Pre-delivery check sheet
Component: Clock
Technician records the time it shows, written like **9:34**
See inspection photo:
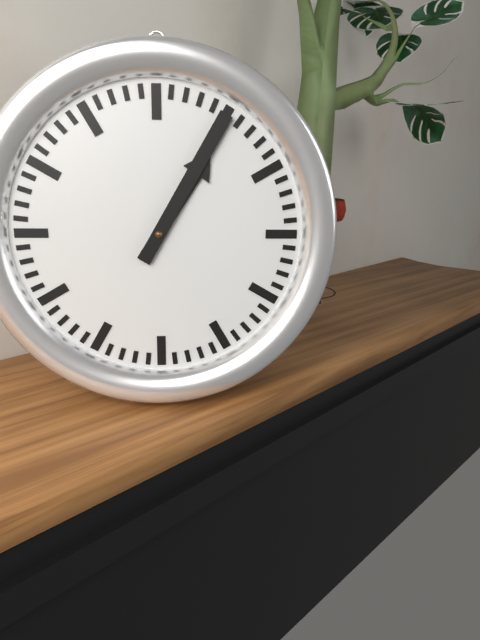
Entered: **1:05**
